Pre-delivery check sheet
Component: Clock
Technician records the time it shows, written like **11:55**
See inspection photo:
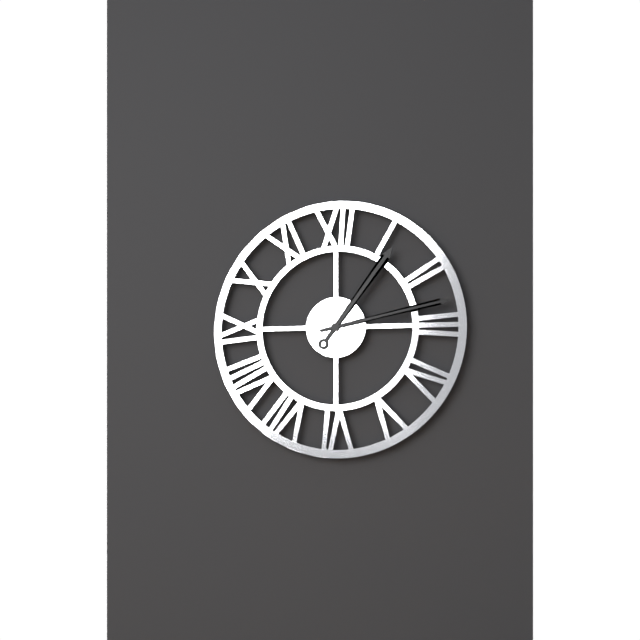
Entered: **1:13**
